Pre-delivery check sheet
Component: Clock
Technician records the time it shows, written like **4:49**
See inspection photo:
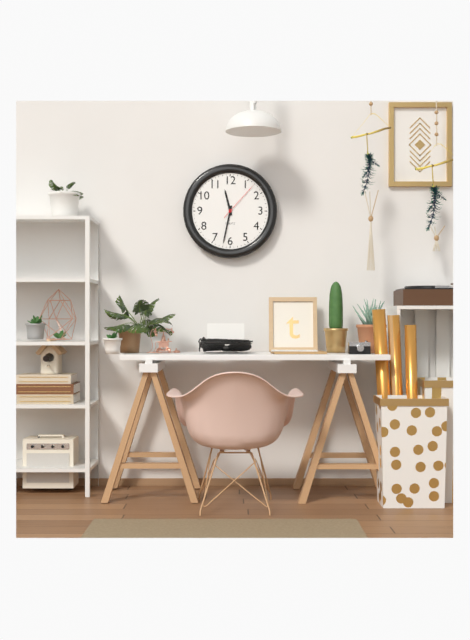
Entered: **11:32**
